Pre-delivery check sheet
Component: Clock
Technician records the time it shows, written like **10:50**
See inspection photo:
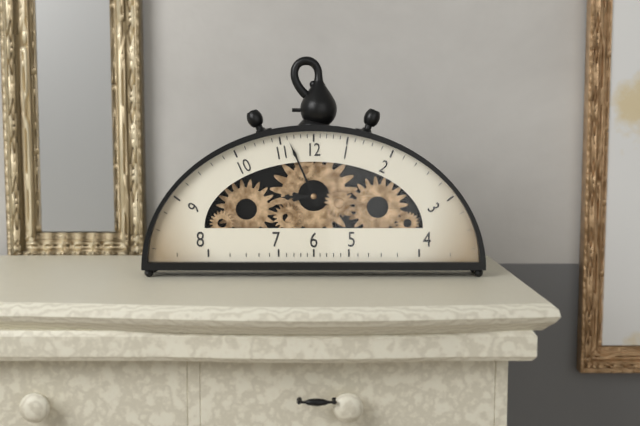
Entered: **8:56**
